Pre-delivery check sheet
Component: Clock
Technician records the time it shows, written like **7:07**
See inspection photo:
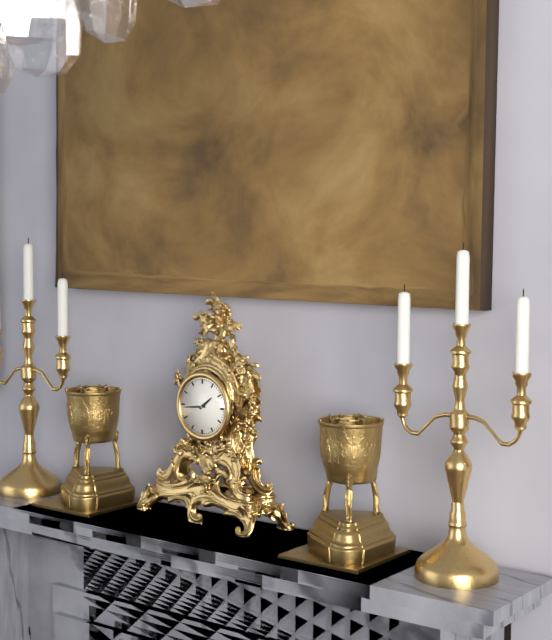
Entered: **1:44**
